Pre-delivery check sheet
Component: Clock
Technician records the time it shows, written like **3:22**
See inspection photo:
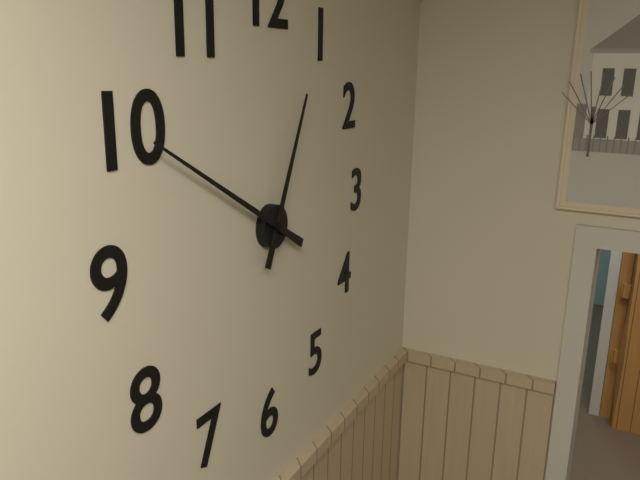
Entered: **12:50**
